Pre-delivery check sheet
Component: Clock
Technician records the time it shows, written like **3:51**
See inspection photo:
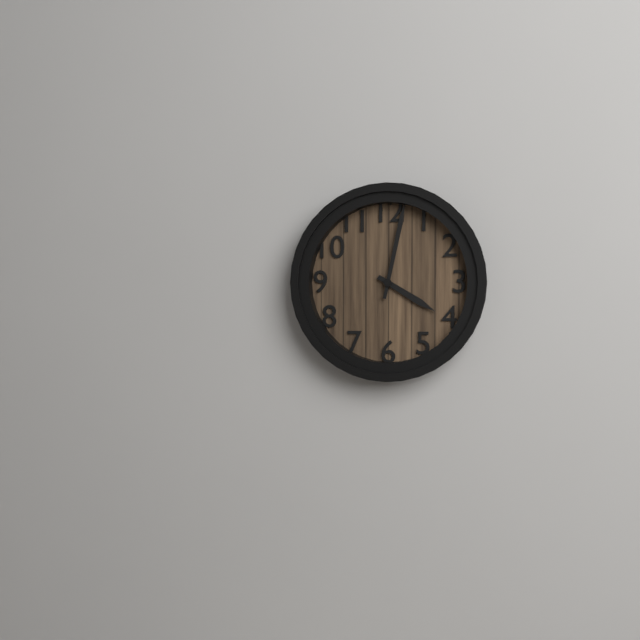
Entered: **4:02**
